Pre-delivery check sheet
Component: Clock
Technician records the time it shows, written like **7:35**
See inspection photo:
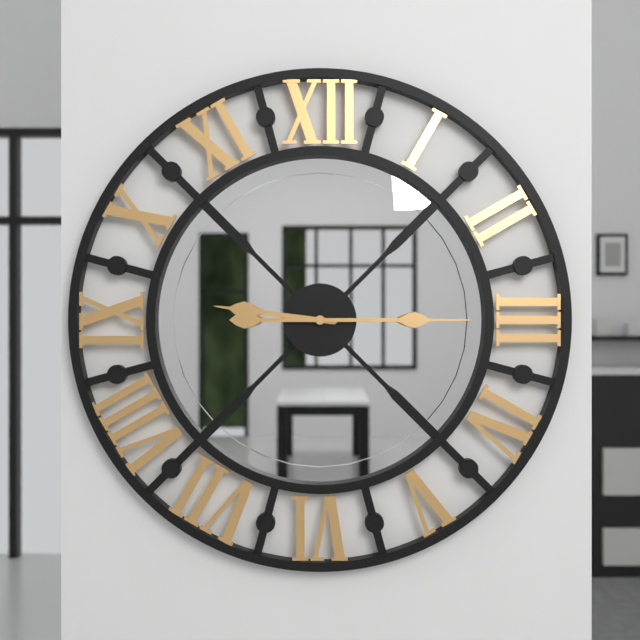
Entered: **9:15**
